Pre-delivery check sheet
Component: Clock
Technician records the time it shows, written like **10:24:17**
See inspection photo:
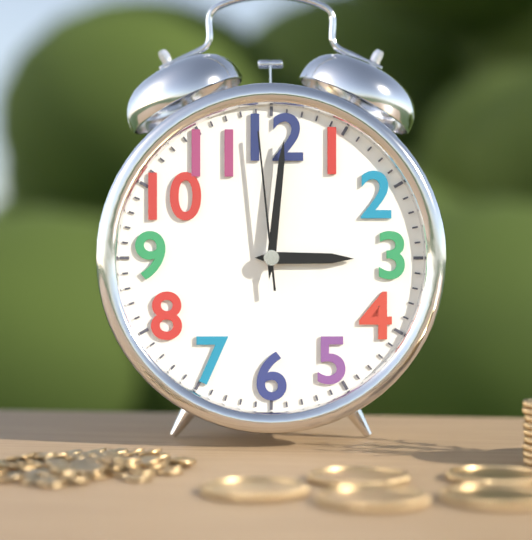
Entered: **3:01:59**
